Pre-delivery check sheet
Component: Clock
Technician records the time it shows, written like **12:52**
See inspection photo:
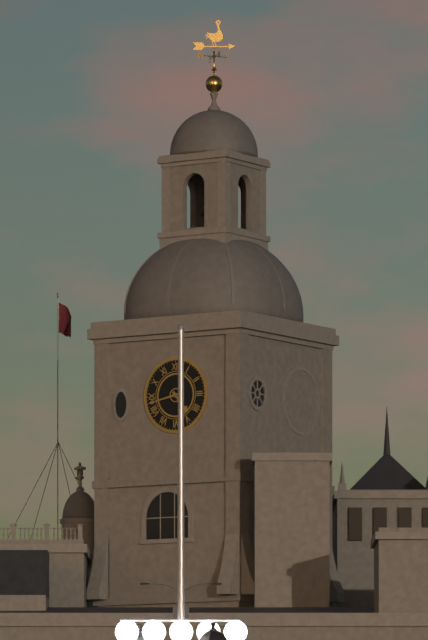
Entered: **4:43**
